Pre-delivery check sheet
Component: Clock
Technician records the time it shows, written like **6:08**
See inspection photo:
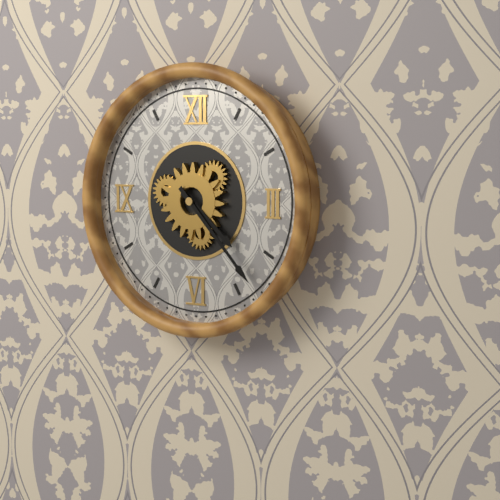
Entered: **4:23**
